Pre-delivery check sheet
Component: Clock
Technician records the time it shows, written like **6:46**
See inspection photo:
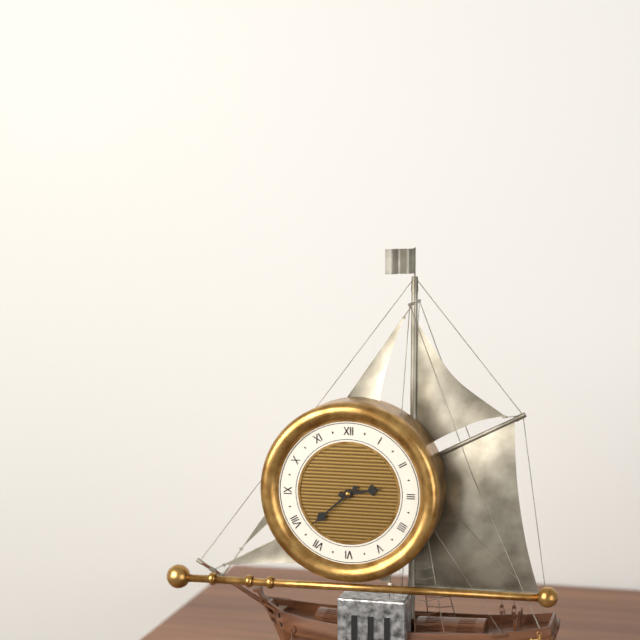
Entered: **2:38**
